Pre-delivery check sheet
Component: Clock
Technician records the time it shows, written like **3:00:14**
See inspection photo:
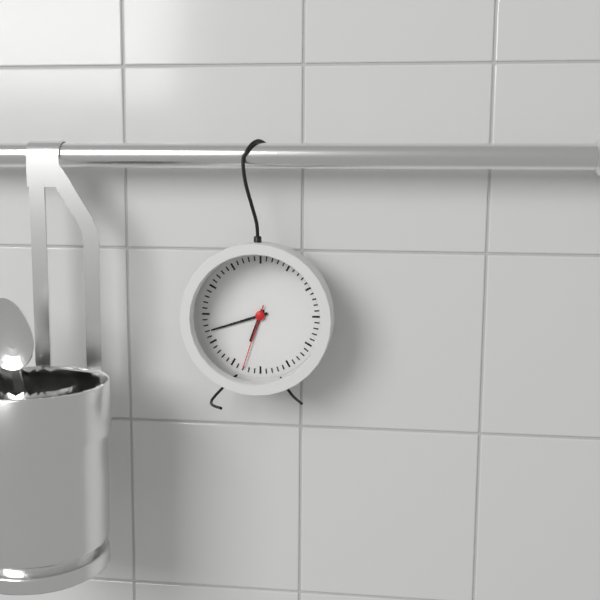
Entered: **6:42:33**
